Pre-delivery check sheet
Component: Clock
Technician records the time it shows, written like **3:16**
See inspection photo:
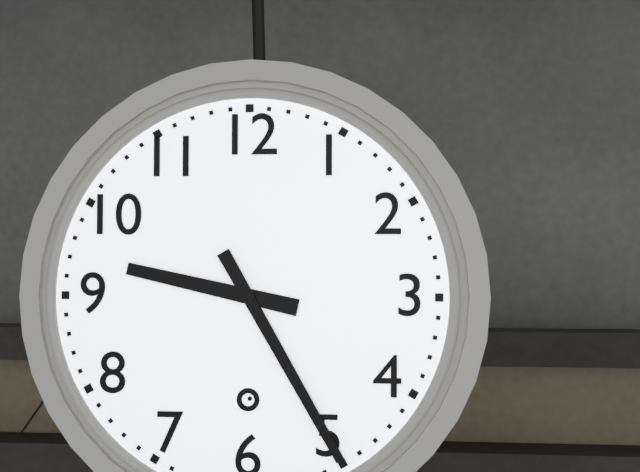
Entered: **9:25**
